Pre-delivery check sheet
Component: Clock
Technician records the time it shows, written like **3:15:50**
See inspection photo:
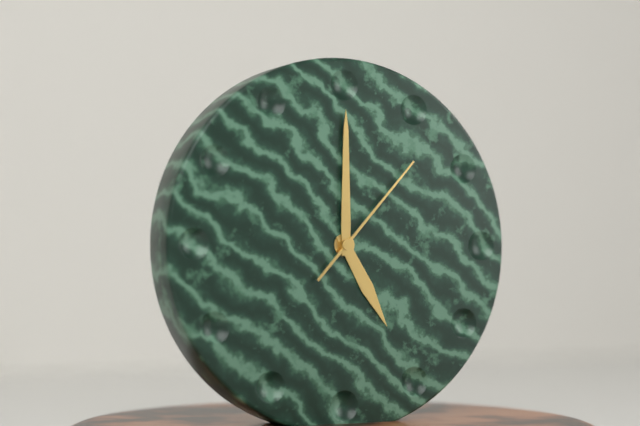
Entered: **5:00:07**
